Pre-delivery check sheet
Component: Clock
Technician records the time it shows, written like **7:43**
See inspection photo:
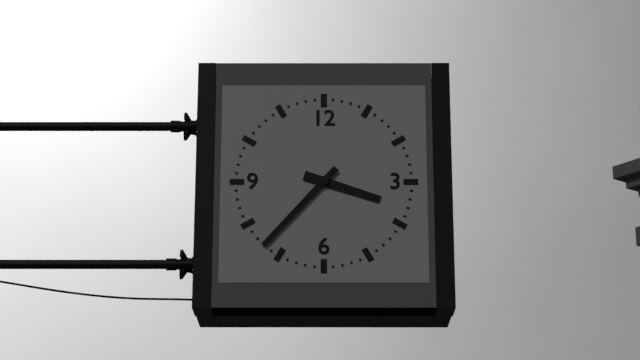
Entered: **3:37**
